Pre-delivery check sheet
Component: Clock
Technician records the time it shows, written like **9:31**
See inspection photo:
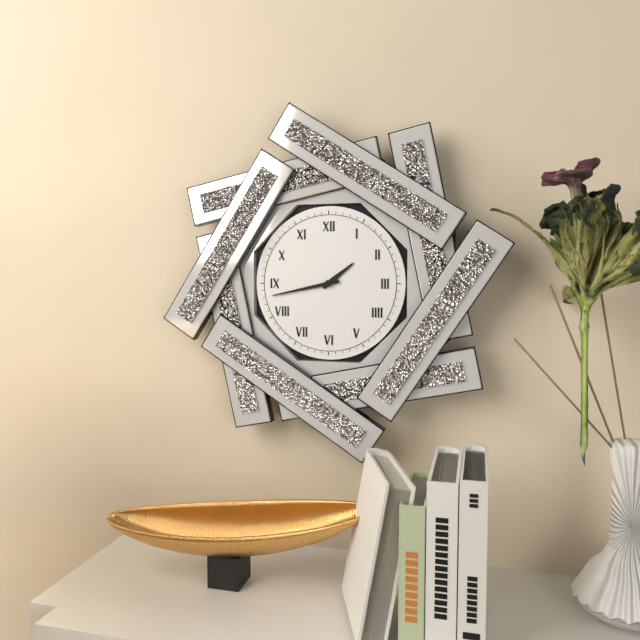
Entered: **1:43**
